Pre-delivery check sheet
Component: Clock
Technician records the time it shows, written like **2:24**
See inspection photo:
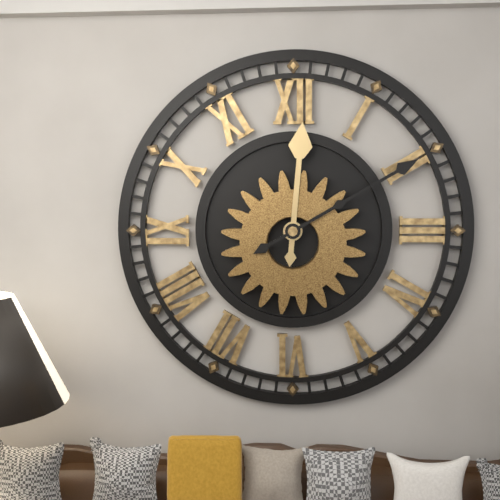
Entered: **12:10**
